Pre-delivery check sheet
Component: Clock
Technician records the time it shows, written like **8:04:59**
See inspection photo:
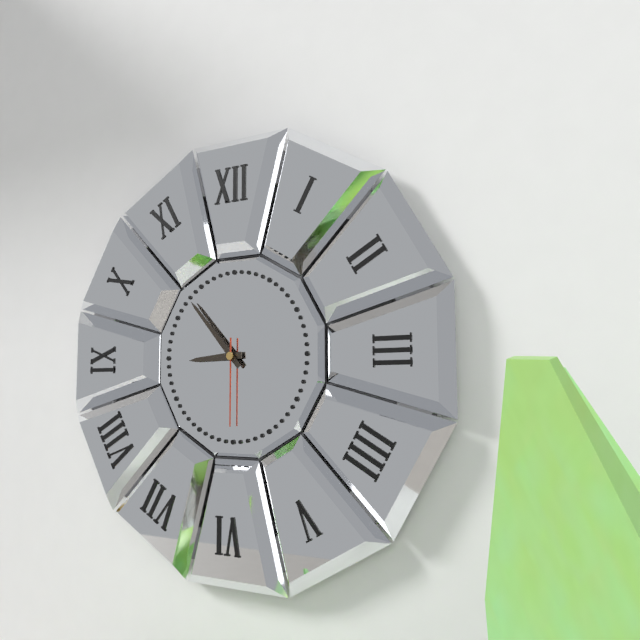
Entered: **8:53:30**
